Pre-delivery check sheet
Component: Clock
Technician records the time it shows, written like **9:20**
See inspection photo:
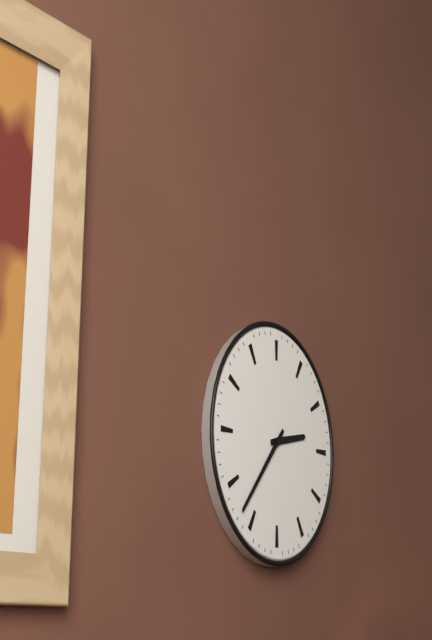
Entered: **2:37**
